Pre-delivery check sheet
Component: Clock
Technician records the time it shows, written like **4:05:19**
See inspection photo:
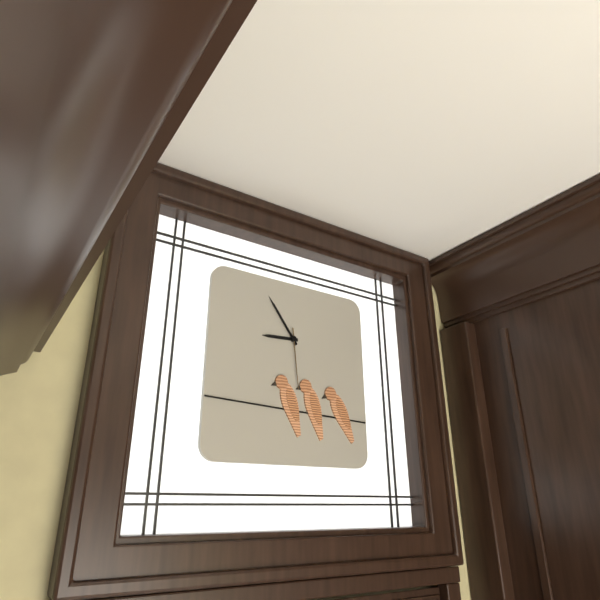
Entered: **8:54:29**
